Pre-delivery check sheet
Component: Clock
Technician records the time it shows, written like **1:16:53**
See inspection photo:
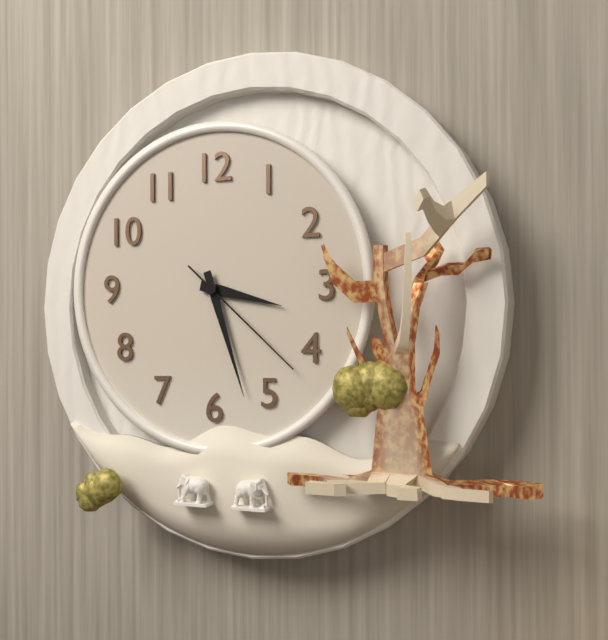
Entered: **3:27:22**
